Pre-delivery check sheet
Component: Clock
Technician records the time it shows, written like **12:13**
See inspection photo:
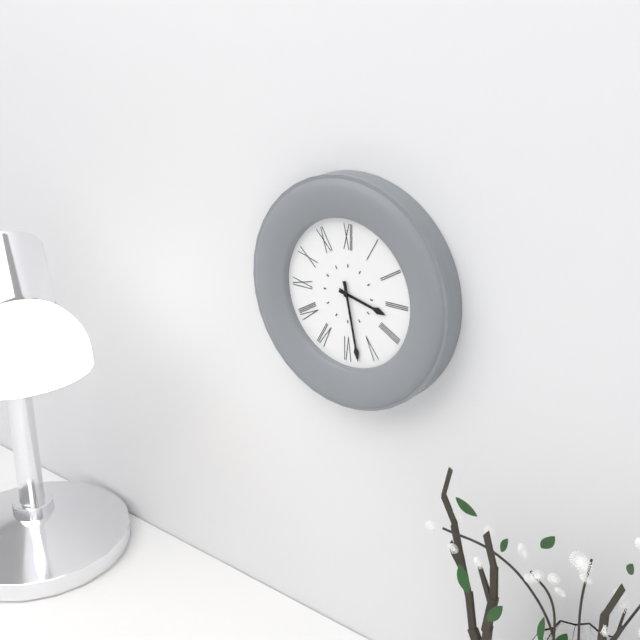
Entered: **3:28**
